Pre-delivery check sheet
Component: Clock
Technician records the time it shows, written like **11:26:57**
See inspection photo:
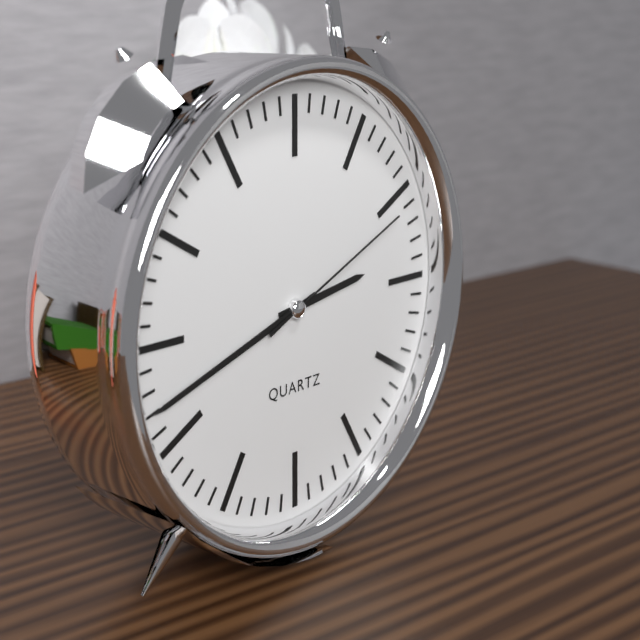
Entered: **2:42:11**
